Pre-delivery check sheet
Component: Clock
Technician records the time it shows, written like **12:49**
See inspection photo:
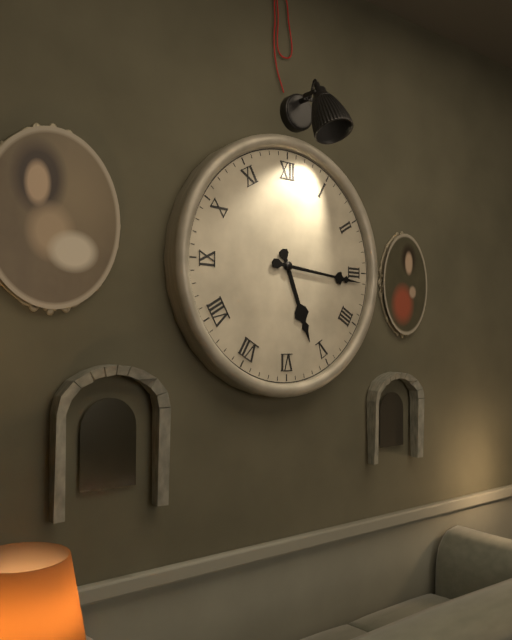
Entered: **5:16**
